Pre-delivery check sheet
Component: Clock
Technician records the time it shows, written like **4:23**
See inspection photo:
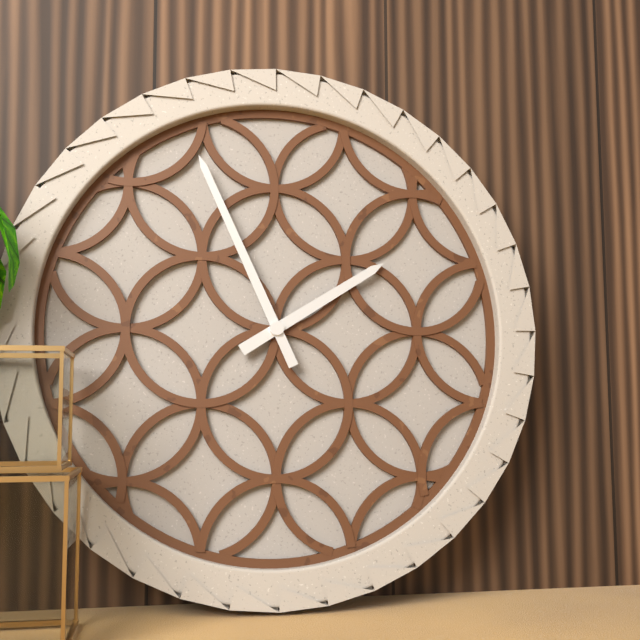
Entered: **1:56**
